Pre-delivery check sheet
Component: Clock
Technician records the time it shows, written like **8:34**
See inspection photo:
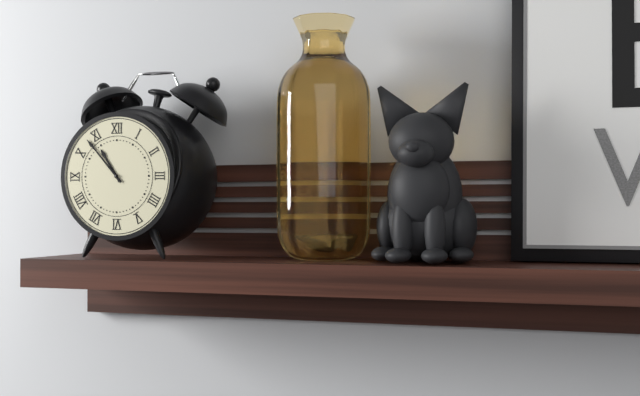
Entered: **10:53**
